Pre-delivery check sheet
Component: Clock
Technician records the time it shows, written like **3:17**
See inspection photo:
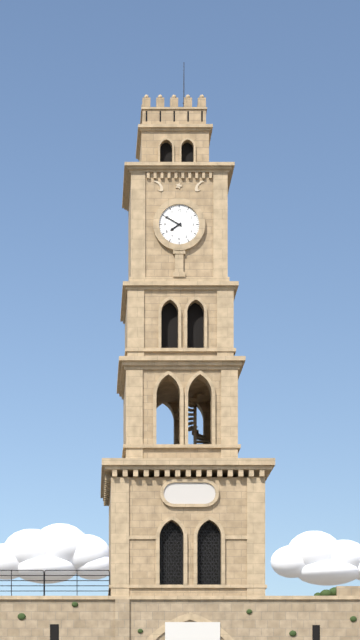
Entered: **7:50**
